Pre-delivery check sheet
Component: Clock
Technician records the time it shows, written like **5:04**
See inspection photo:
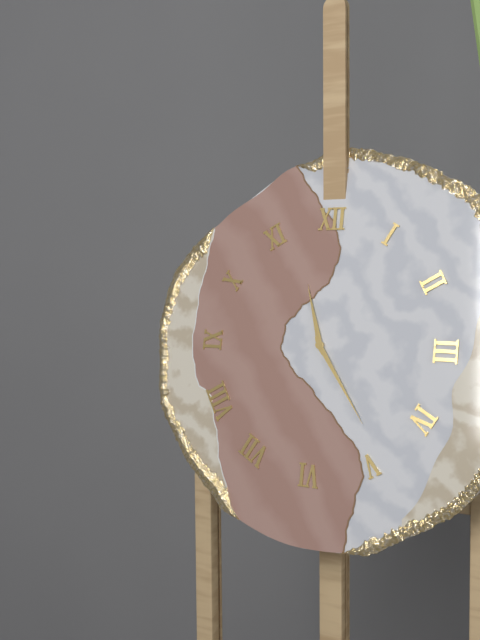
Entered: **11:24**
